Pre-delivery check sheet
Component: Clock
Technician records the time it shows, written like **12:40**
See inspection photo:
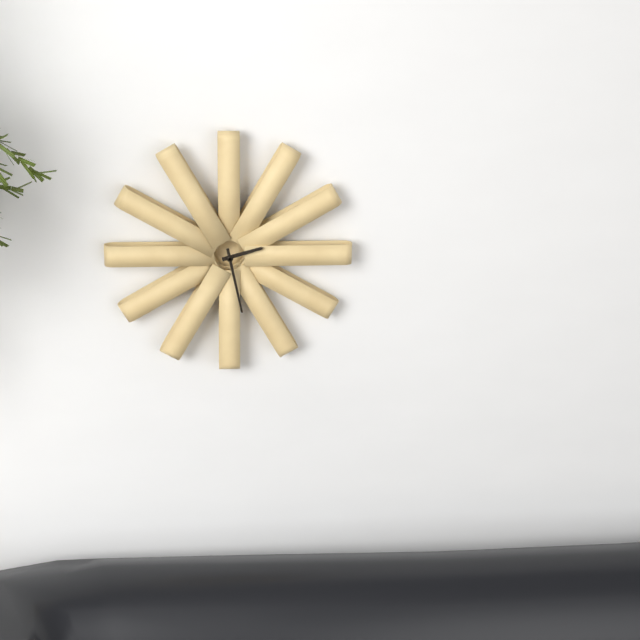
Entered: **2:28**
